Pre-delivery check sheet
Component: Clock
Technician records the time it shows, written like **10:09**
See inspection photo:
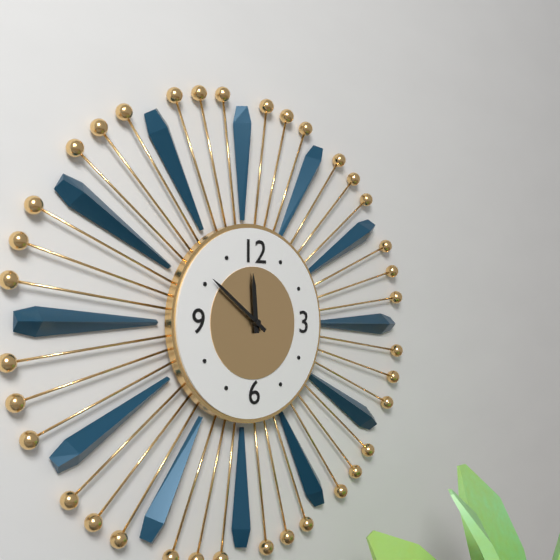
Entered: **11:51**
